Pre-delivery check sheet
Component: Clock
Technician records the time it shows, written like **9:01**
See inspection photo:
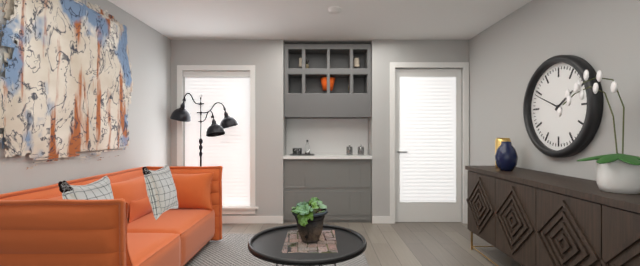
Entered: **1:49**
